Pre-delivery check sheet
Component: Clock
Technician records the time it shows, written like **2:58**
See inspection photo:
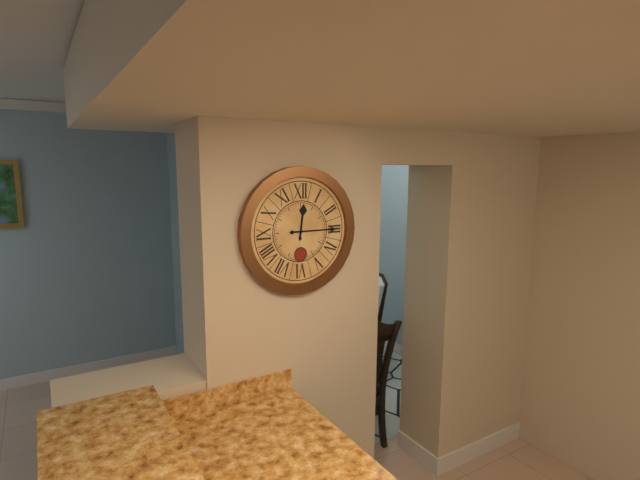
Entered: **12:15**
